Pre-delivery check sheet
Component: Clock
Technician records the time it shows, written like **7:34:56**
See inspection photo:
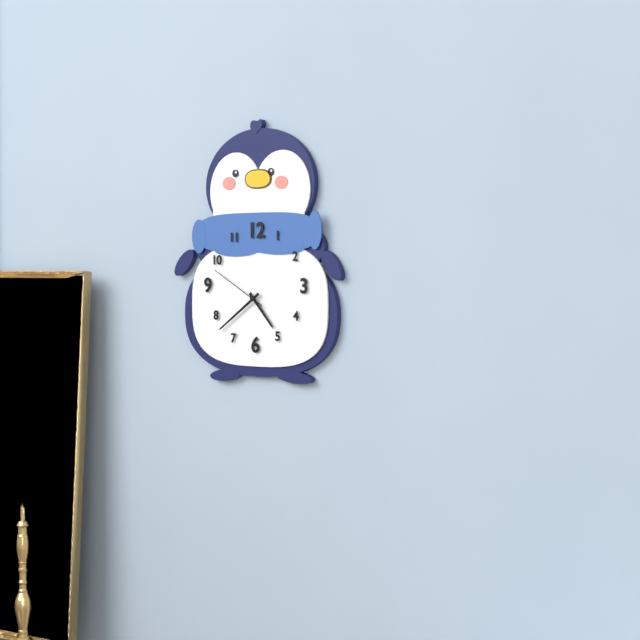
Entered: **4:39:50**
